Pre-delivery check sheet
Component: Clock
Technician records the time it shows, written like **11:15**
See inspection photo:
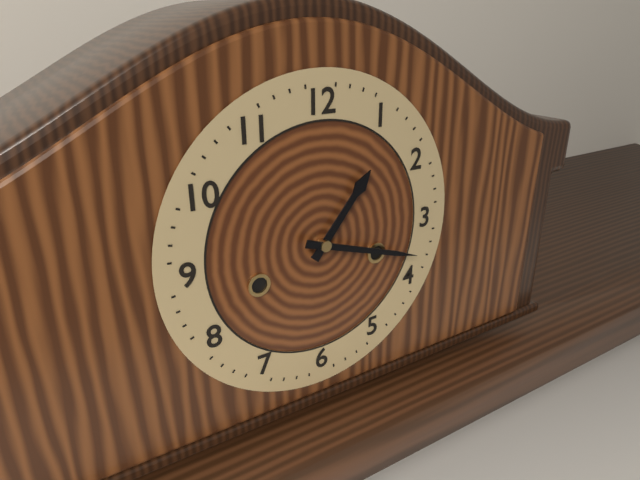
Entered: **1:18**
